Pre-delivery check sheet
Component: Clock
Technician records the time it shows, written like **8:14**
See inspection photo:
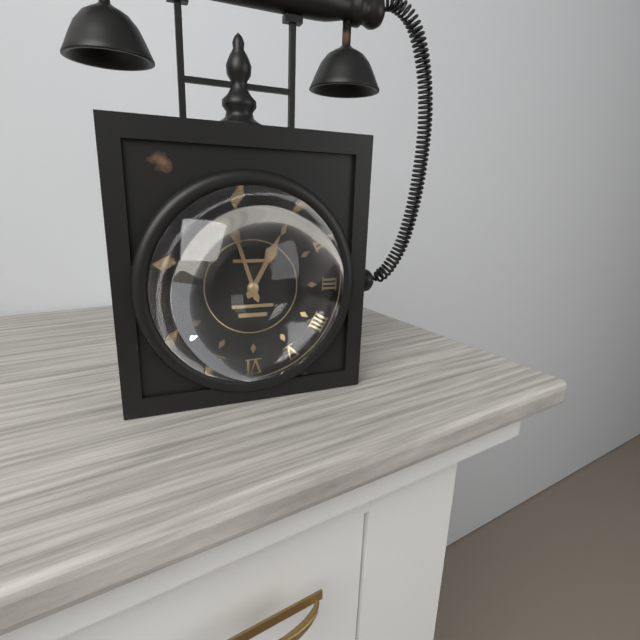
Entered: **12:57**
